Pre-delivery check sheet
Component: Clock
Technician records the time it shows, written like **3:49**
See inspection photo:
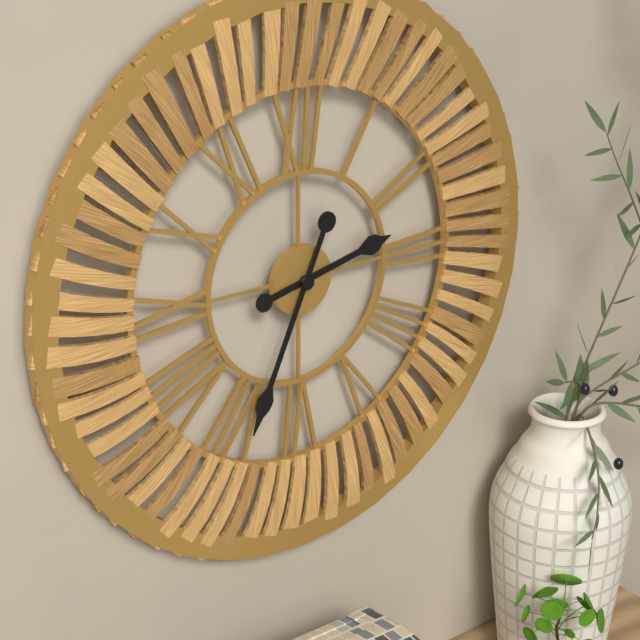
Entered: **2:34**
